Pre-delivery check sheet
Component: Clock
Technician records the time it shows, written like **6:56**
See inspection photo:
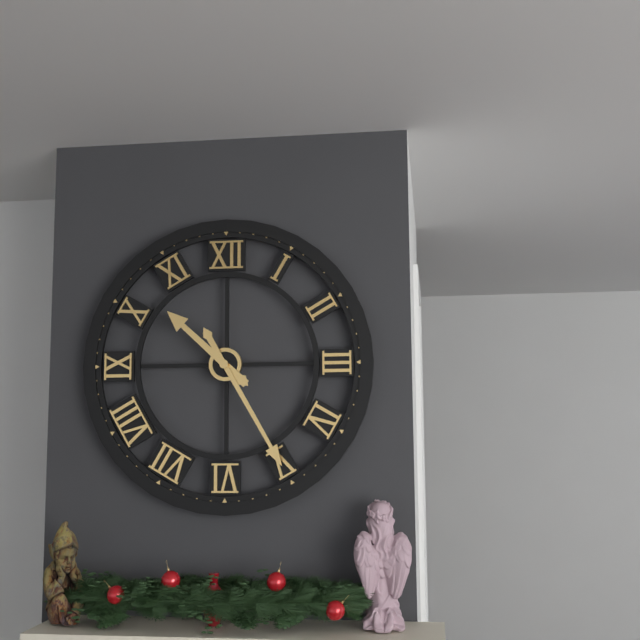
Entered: **10:25**
